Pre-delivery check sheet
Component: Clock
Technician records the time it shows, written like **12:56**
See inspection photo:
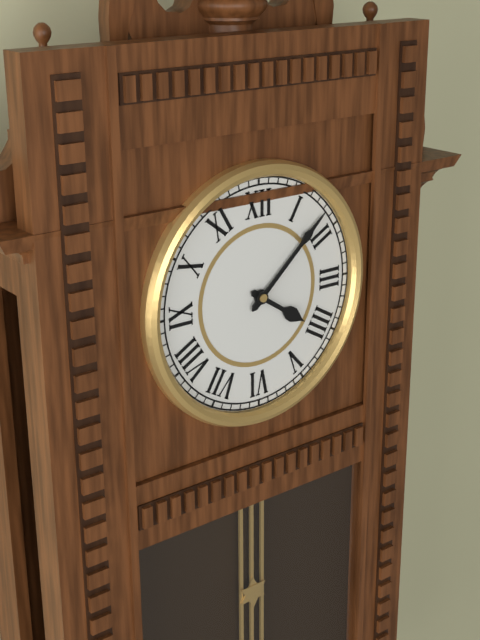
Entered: **4:08**
